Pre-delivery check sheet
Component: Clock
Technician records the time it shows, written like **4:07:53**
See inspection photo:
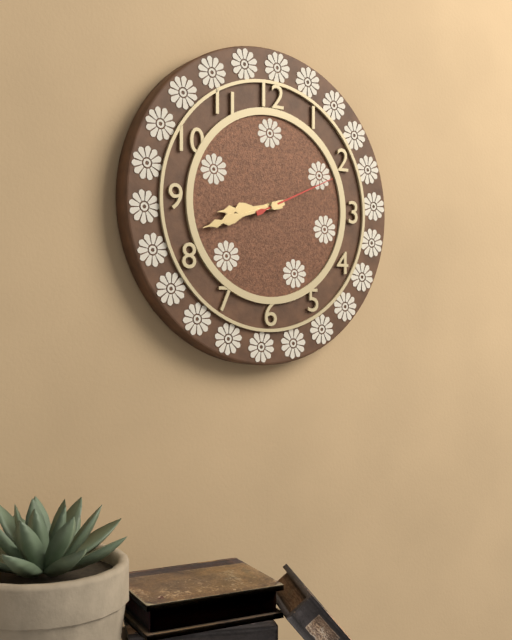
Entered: **8:42:11**
